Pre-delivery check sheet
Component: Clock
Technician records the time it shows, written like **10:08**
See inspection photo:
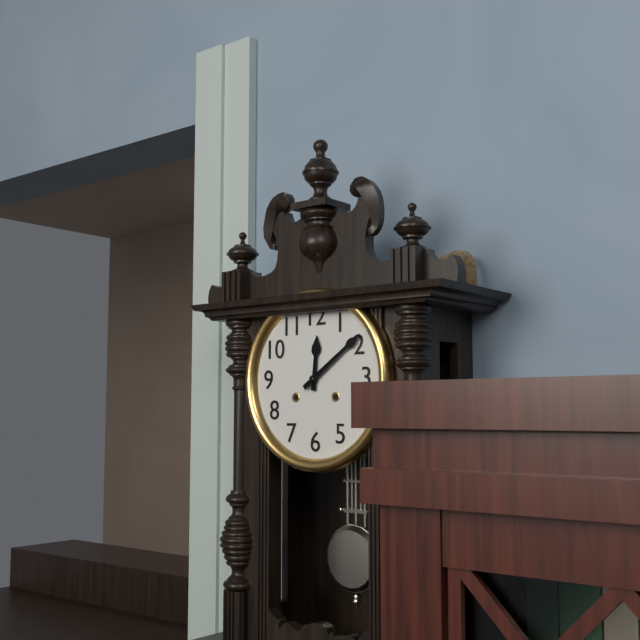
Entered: **12:09**
